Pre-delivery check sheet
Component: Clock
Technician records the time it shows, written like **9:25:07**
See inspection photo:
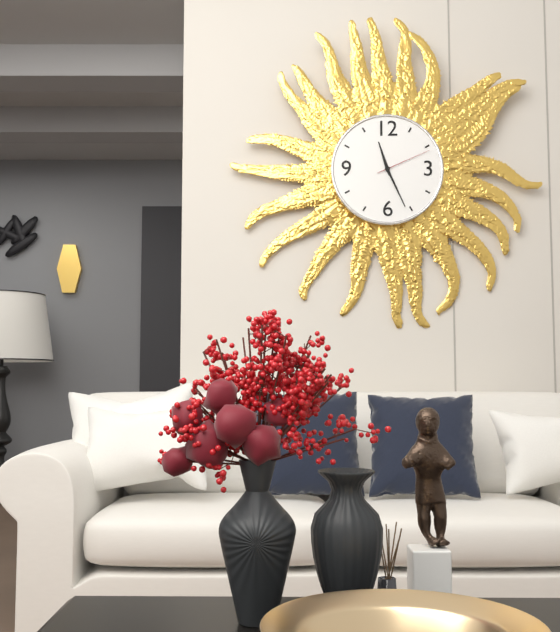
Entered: **11:26:11**
